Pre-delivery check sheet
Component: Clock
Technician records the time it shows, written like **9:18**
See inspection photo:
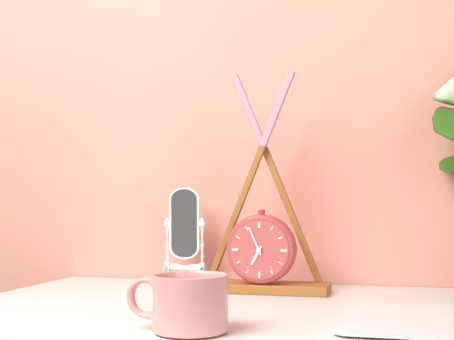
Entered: **6:56**
